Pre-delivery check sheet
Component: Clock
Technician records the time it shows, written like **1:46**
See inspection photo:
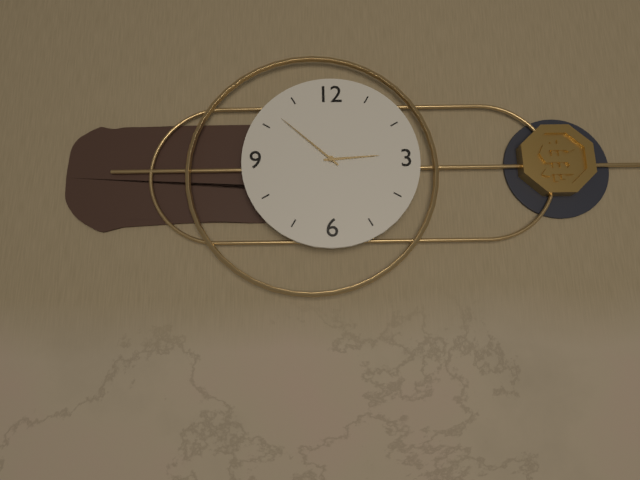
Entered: **2:52**
